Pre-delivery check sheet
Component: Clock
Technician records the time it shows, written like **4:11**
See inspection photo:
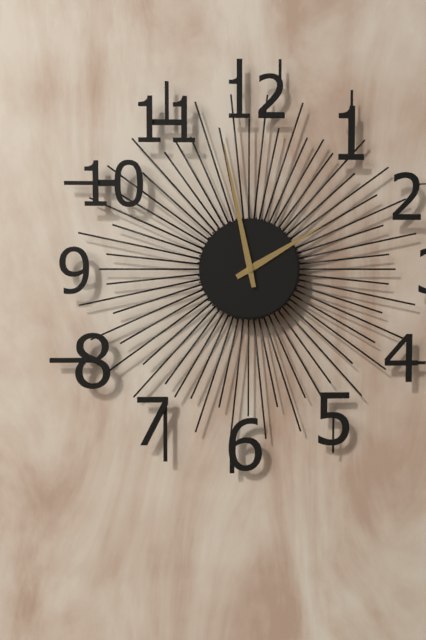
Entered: **1:58**
